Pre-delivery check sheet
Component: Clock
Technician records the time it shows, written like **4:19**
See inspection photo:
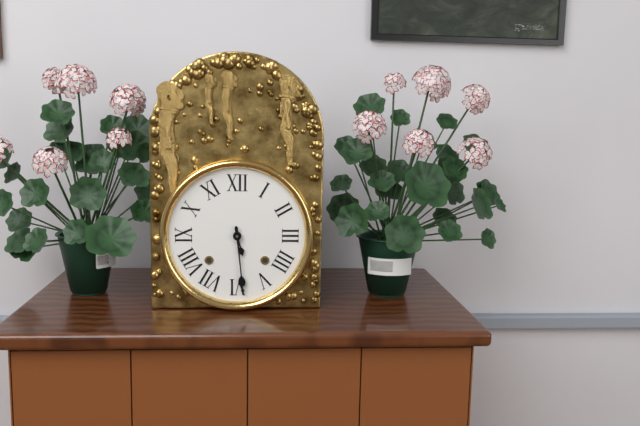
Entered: **5:29**
